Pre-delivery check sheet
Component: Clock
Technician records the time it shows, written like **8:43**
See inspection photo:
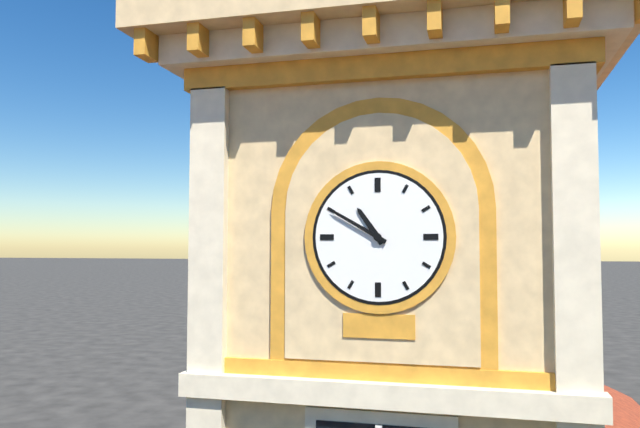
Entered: **10:50**
